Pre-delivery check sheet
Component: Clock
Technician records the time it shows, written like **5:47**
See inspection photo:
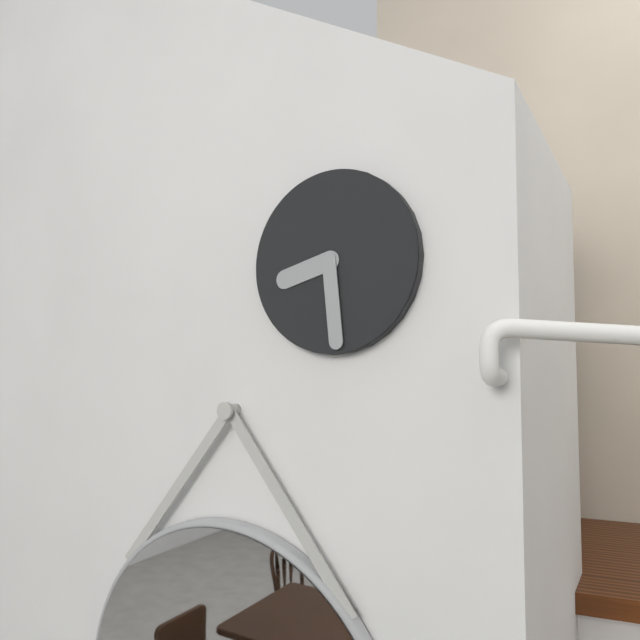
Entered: **8:29**
